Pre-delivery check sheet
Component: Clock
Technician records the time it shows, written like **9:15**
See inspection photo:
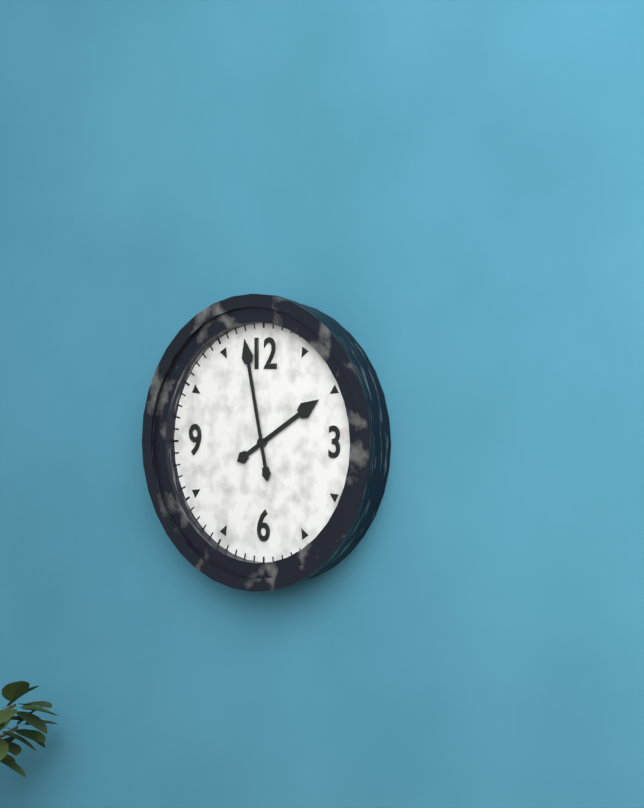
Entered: **1:58**
